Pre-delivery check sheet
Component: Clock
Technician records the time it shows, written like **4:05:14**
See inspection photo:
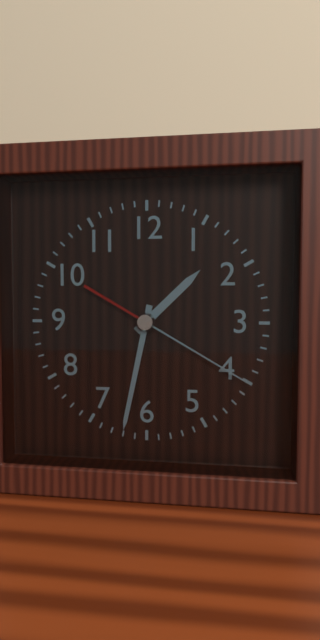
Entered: **1:32:20**
